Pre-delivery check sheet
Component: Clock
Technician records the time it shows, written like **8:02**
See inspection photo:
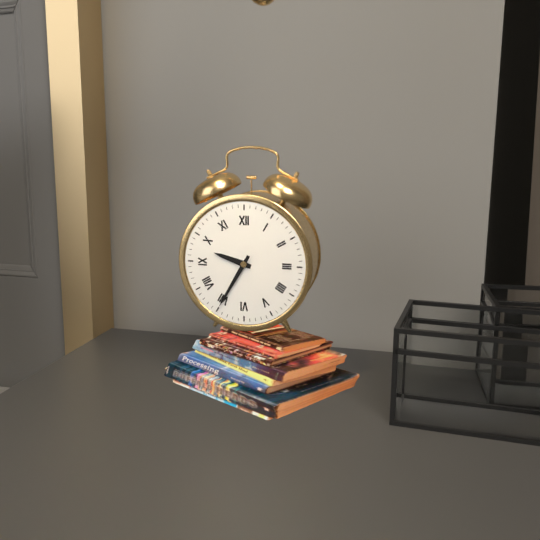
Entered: **9:35**
